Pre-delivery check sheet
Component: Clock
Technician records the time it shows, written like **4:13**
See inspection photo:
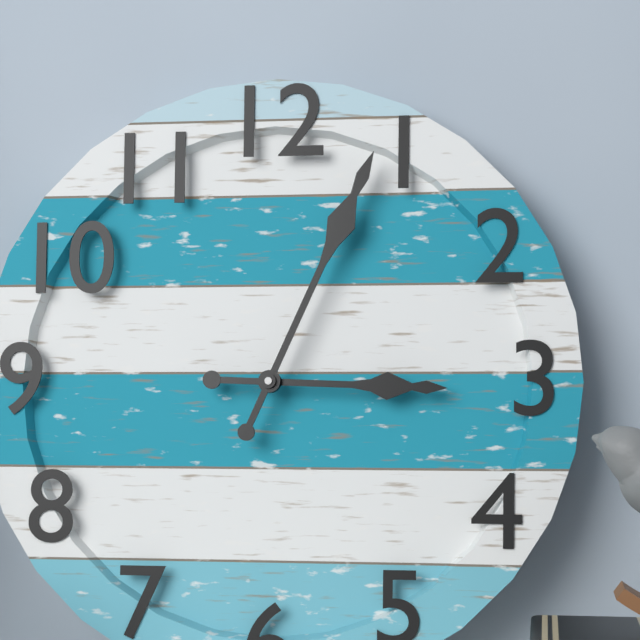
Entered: **3:04**
